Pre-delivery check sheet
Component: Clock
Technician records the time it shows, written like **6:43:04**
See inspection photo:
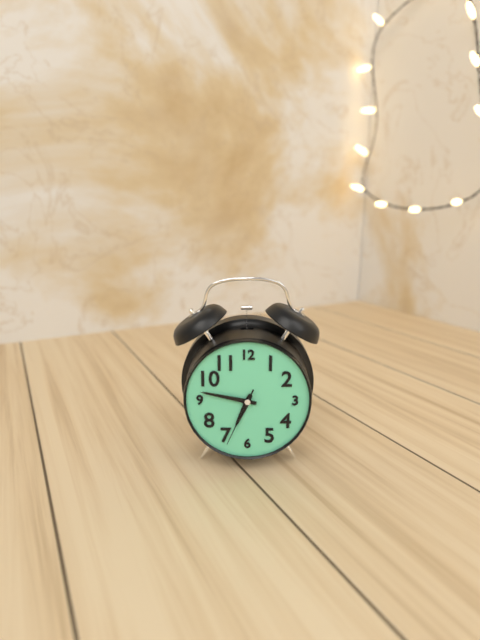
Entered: **6:47:34**
